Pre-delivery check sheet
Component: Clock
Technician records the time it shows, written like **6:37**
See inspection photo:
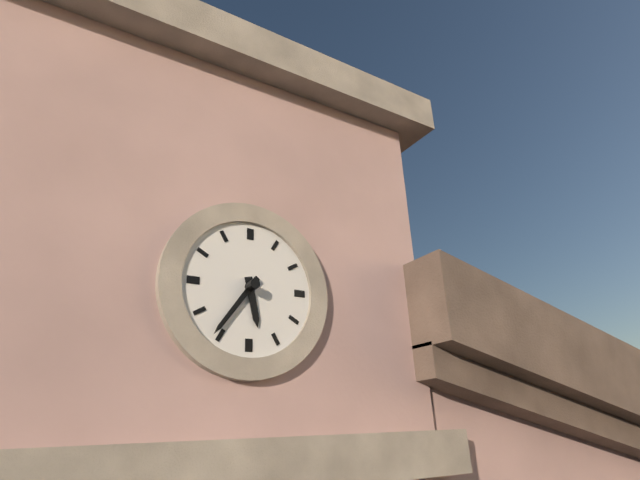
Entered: **5:36**
